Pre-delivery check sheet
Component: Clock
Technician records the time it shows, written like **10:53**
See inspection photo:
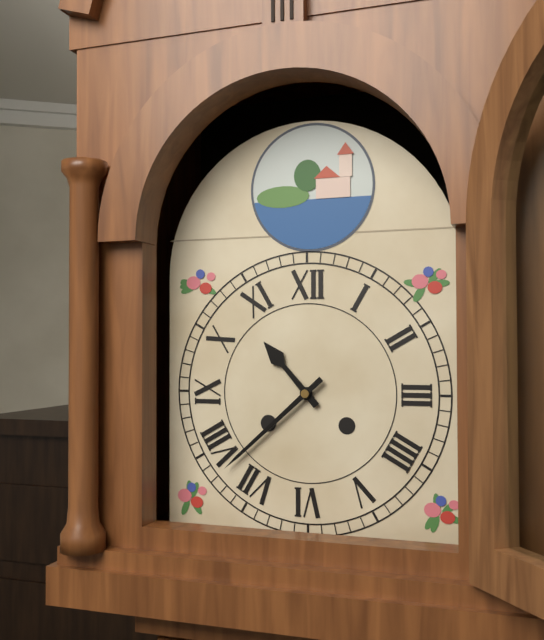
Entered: **10:38**
